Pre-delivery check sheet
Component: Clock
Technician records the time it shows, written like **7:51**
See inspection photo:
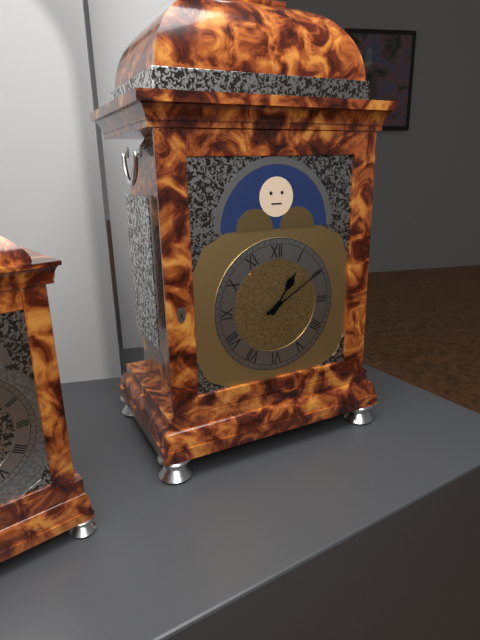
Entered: **1:10**
